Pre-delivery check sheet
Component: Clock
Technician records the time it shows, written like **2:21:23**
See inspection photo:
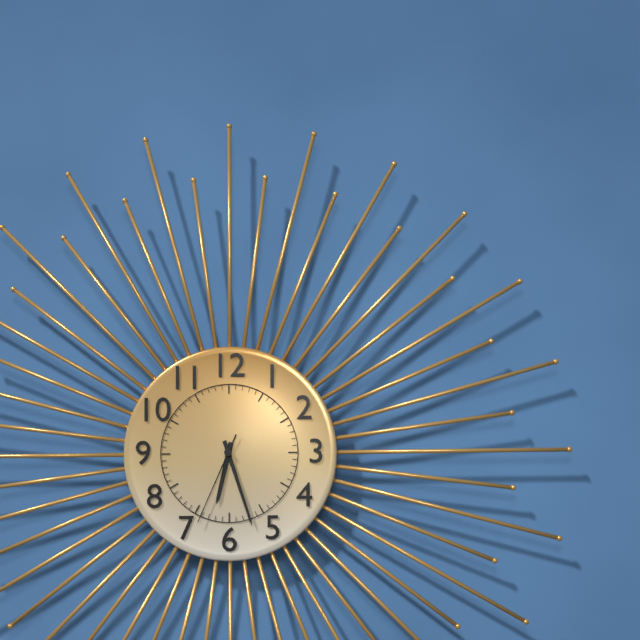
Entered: **6:27:34**
